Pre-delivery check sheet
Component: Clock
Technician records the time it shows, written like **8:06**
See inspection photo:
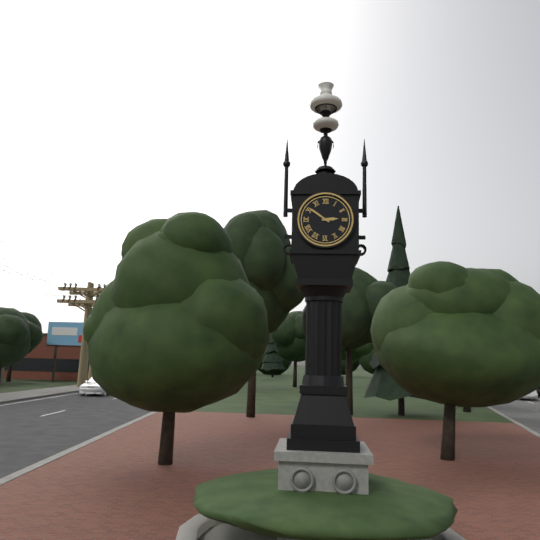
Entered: **2:51**
